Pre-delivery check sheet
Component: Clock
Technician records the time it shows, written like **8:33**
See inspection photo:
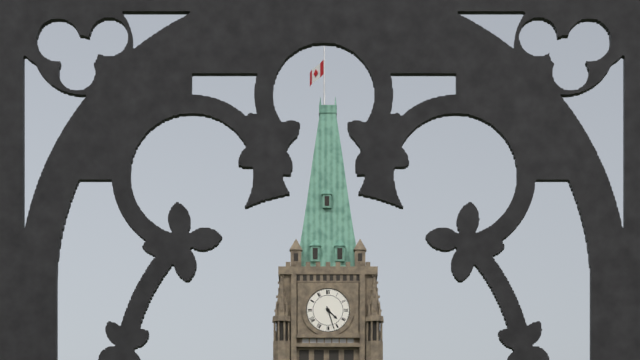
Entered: **4:27**
